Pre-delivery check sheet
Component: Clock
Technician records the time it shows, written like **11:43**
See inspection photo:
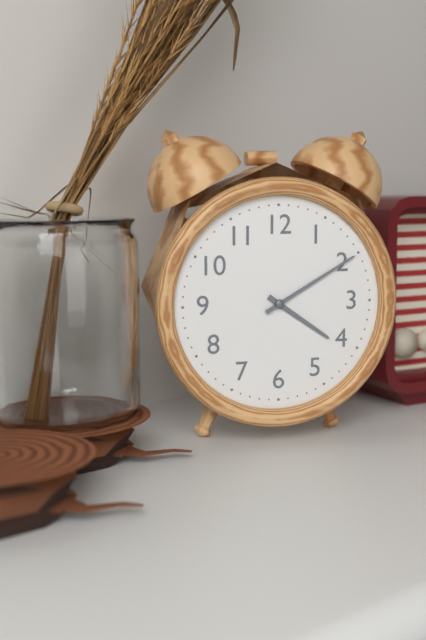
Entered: **4:10**
